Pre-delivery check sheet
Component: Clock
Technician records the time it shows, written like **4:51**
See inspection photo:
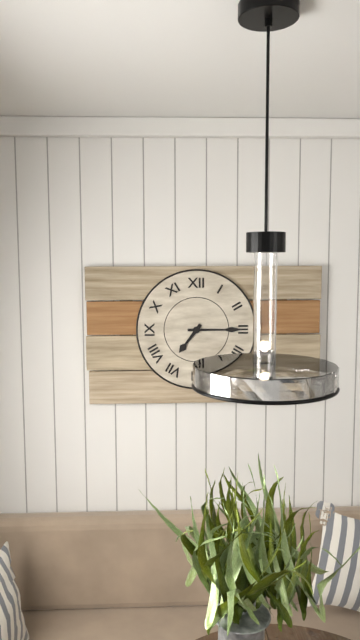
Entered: **7:15**
